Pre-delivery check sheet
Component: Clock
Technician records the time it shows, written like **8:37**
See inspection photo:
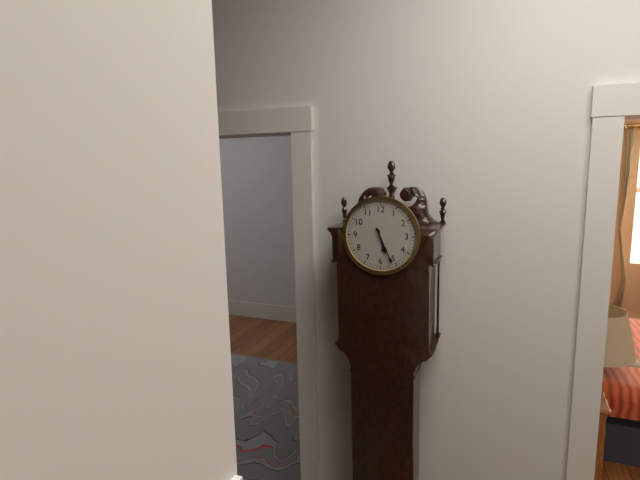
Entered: **5:26**
